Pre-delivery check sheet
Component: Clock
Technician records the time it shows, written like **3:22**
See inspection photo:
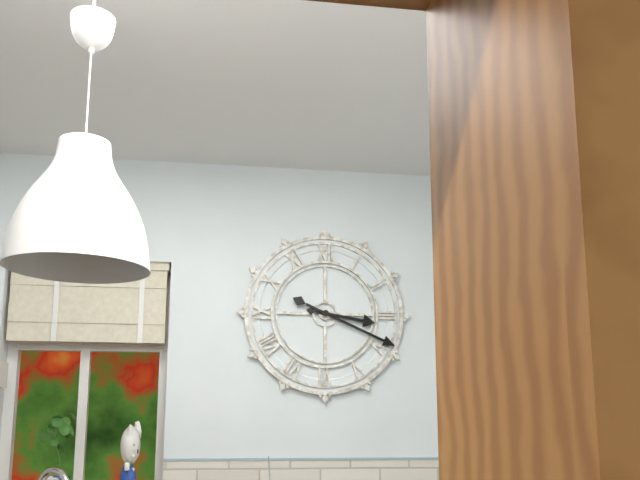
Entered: **3:19**
